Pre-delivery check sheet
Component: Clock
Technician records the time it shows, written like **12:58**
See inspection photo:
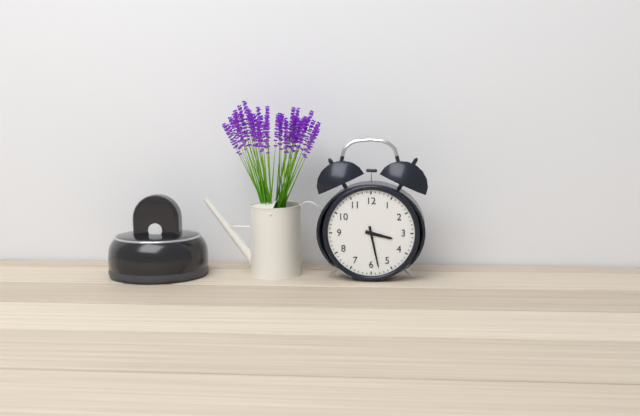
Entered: **3:28**
